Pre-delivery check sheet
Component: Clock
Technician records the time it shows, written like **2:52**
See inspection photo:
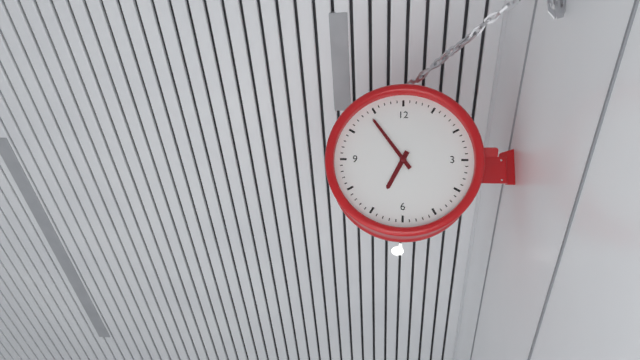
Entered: **6:54**
